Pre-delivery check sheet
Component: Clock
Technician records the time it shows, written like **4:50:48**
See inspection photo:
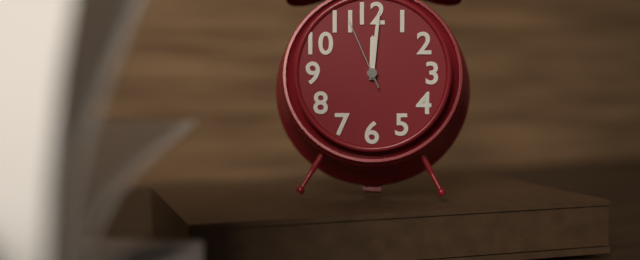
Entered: **12:01:56**
